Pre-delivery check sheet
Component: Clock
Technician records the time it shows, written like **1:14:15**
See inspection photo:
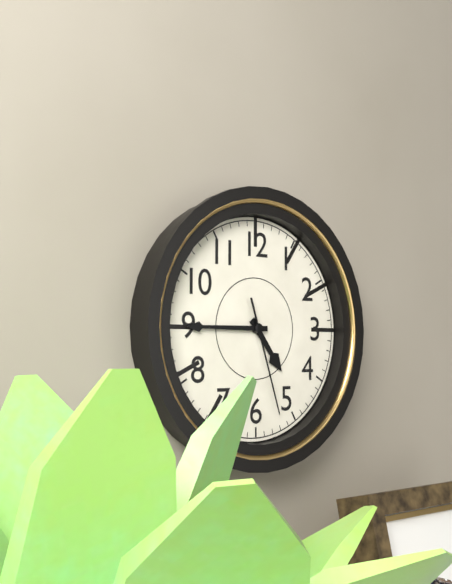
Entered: **4:45:27**
